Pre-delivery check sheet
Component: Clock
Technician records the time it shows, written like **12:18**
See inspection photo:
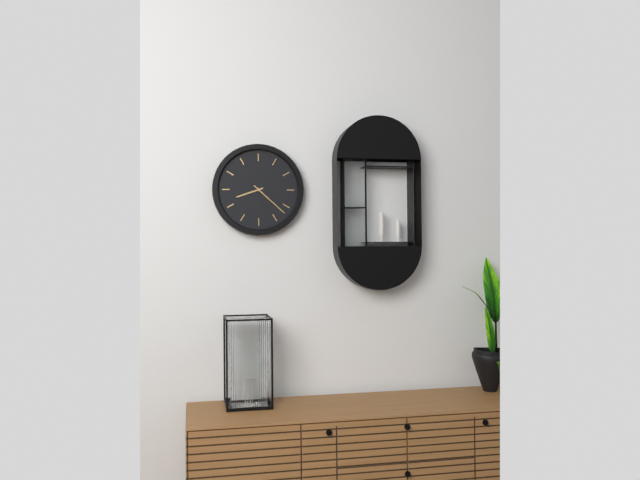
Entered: **8:22**
